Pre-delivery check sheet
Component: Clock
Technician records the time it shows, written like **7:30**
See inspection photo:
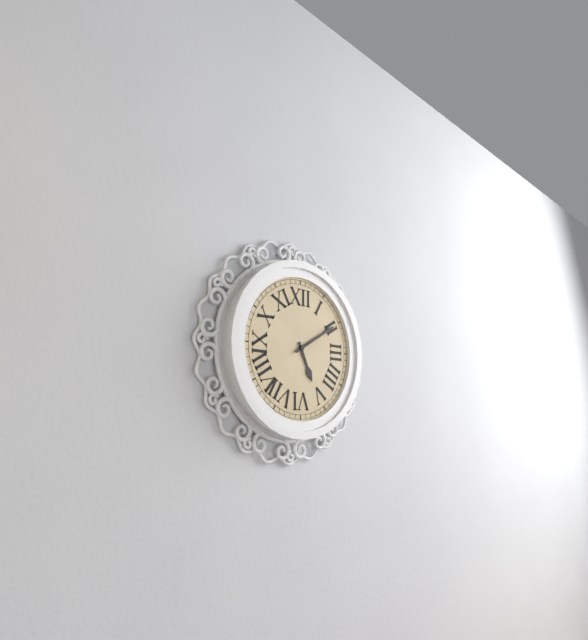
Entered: **5:10**
